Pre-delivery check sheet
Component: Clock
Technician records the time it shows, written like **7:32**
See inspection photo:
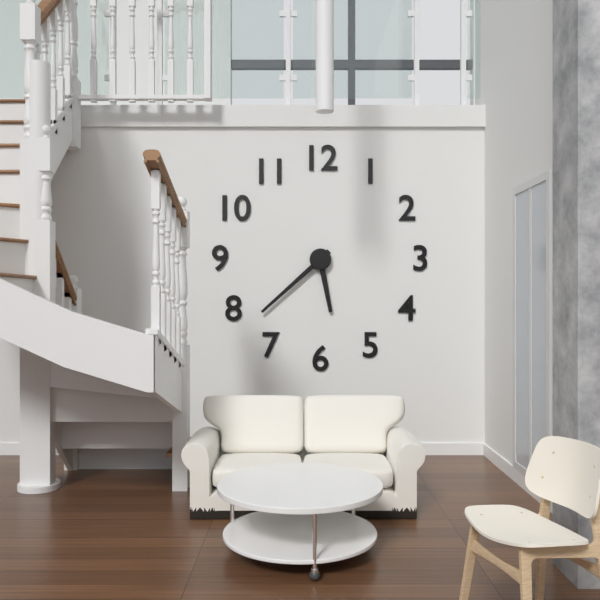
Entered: **5:38**
